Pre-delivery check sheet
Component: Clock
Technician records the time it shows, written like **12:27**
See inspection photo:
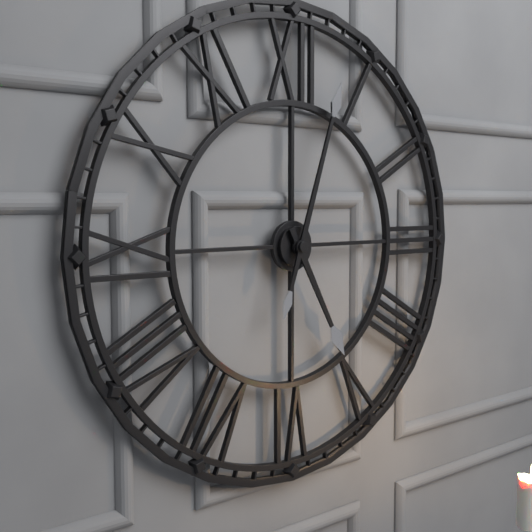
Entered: **5:03**
